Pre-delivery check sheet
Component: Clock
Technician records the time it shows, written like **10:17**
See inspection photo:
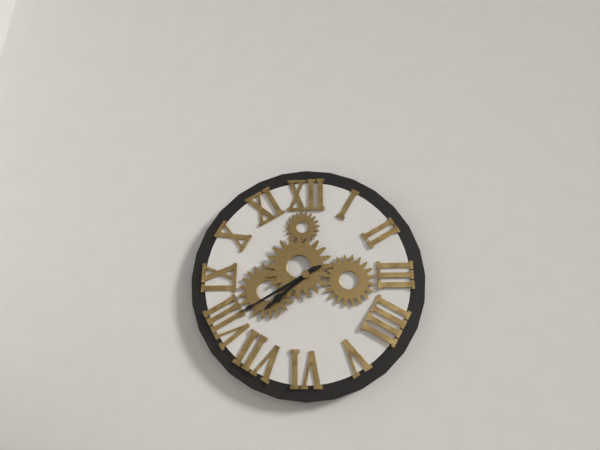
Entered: **7:40**
